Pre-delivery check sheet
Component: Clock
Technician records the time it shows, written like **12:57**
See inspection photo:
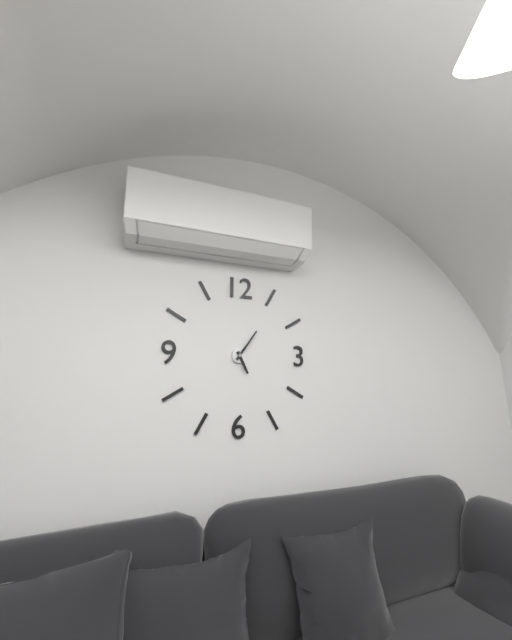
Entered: **5:06**
